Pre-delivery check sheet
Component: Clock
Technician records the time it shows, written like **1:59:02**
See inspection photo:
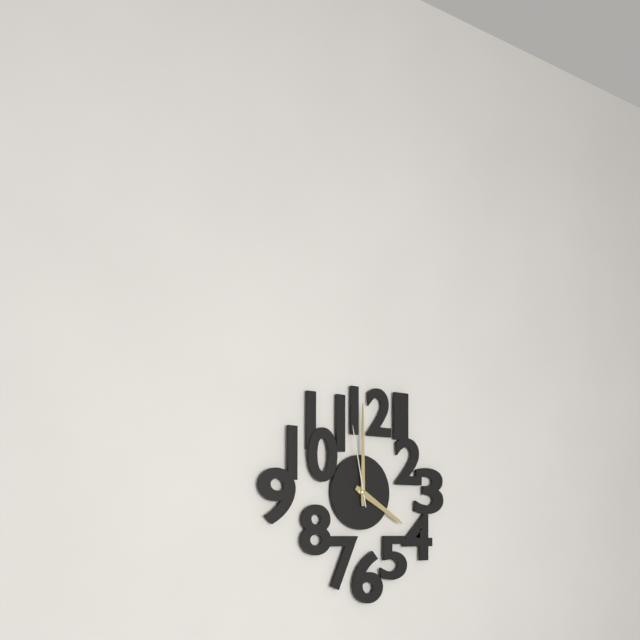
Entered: **4:00:58**
